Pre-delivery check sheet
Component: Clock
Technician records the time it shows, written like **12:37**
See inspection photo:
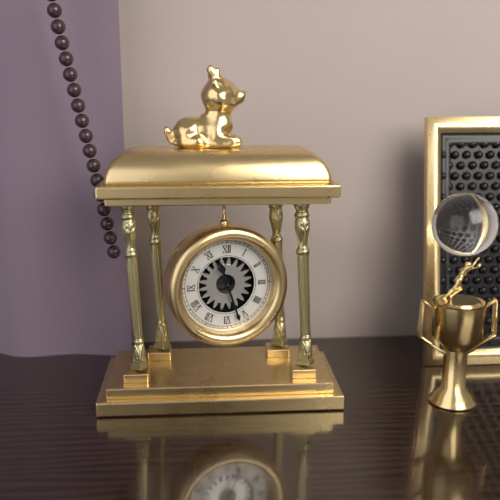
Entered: **11:27**
